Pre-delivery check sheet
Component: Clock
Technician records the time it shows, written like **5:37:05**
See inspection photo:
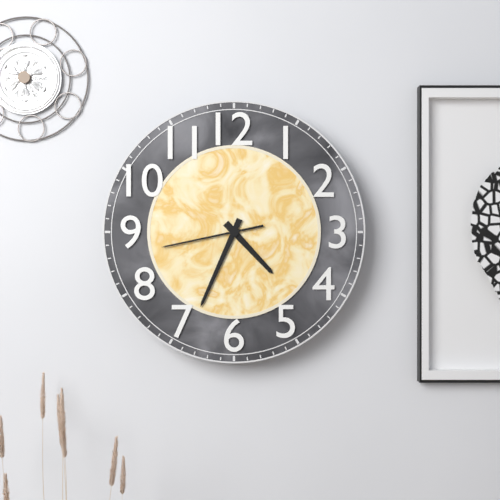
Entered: **4:34:43**
